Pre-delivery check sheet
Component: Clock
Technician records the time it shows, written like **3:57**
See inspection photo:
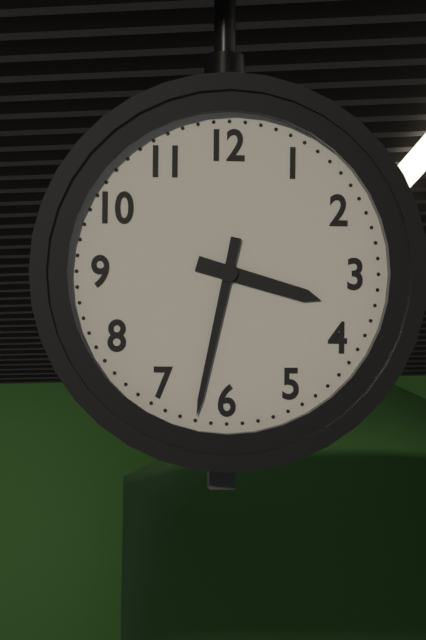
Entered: **3:32**
